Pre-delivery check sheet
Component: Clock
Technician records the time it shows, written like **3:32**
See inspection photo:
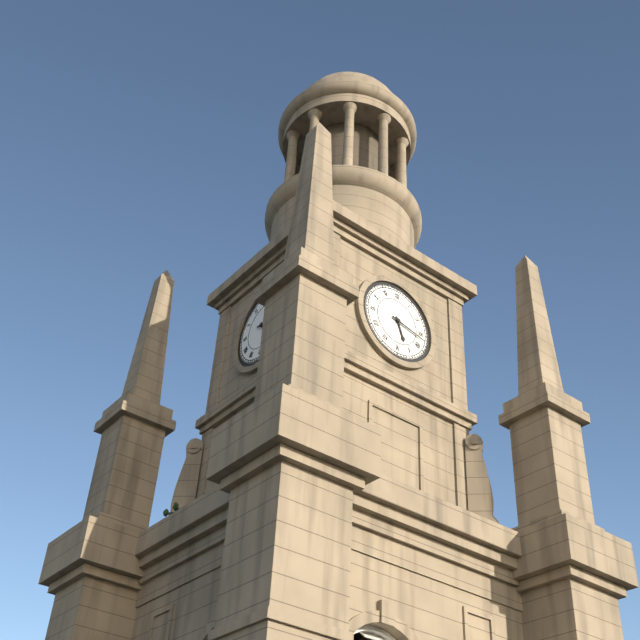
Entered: **5:17**
